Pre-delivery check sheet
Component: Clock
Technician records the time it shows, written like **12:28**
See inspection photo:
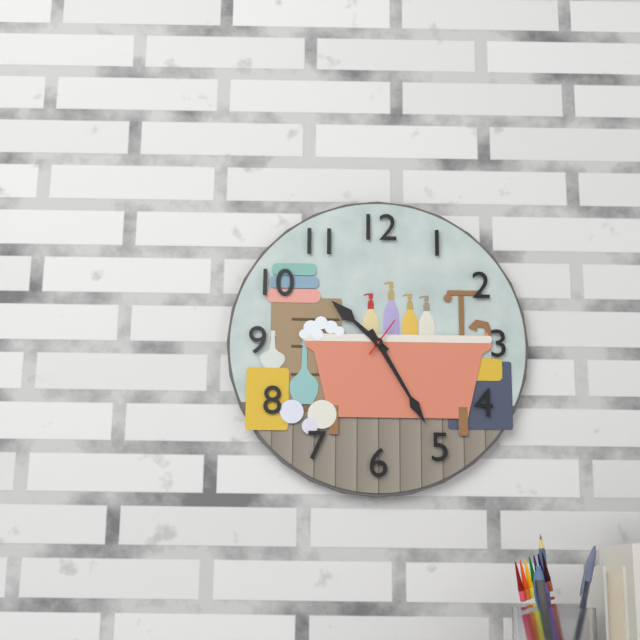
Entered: **10:25**
